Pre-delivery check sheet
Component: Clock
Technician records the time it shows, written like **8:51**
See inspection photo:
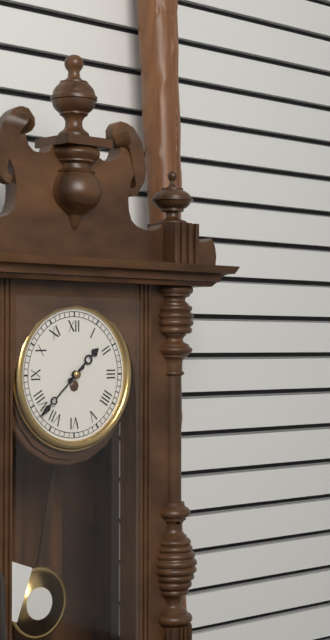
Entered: **1:38**
